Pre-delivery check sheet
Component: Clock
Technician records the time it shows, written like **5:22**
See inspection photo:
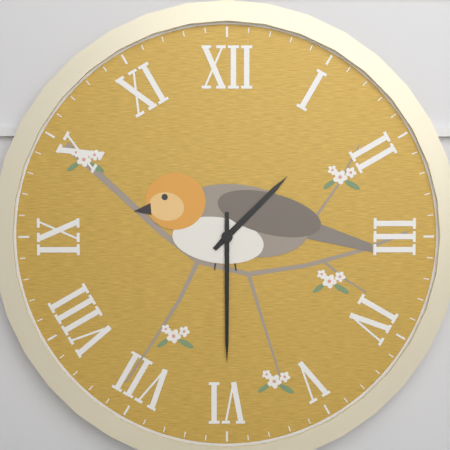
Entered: **1:30**
